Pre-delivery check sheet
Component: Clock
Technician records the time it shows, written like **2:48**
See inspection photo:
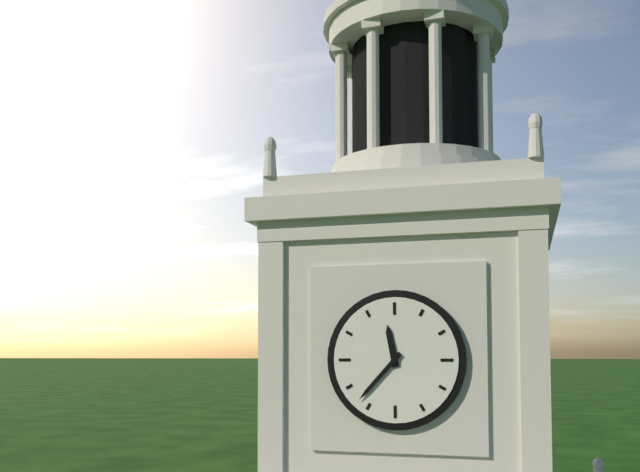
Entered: **11:37**
